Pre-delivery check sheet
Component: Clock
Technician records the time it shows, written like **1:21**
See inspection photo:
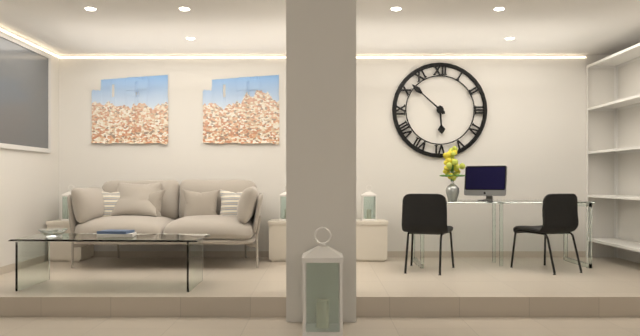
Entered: **5:52**
